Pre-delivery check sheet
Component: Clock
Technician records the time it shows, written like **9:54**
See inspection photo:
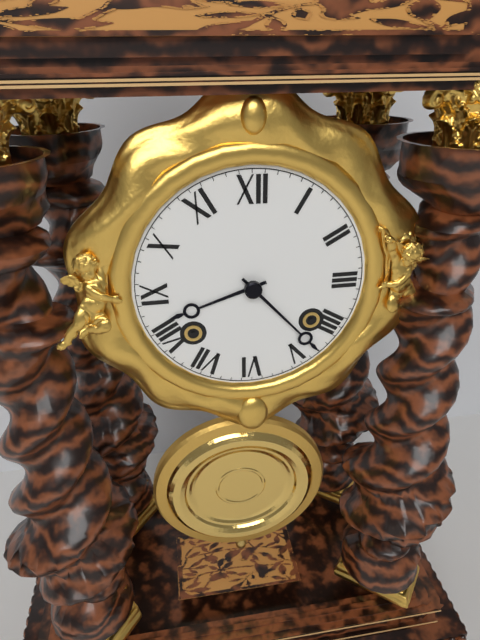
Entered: **8:23**
